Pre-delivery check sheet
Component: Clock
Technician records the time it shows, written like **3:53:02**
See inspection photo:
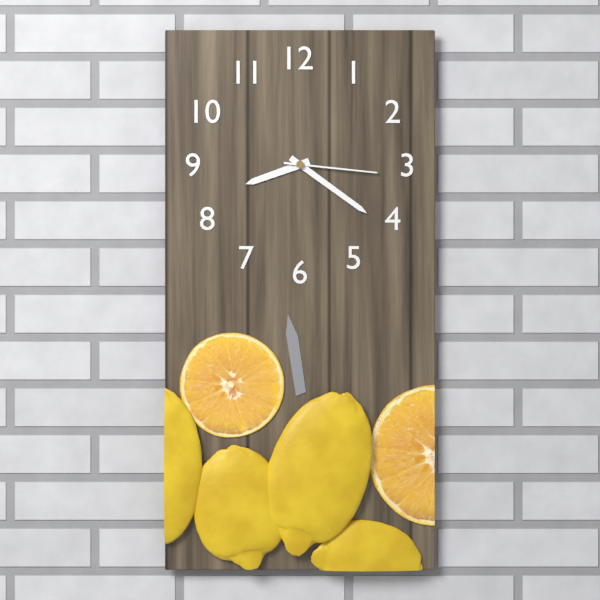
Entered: **8:21:16**
